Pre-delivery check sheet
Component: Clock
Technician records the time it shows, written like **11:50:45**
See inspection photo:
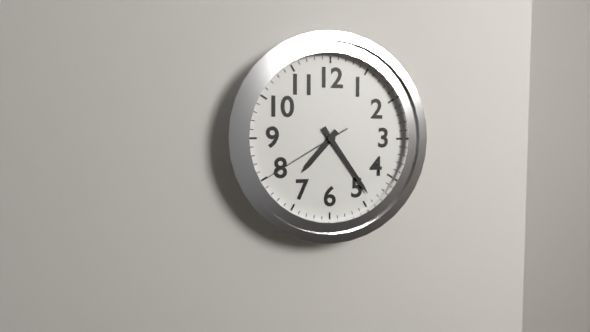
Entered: **7:24:40**
